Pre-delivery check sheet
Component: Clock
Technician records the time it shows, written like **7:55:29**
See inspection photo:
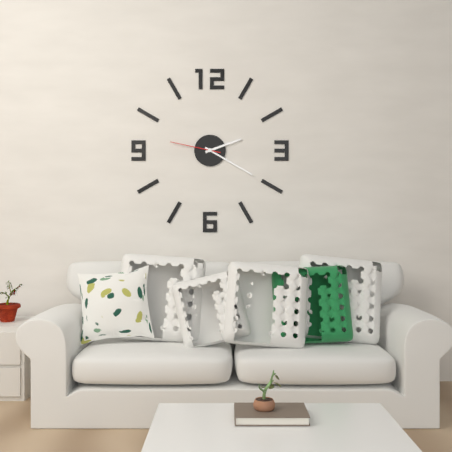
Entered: **2:20:47**
